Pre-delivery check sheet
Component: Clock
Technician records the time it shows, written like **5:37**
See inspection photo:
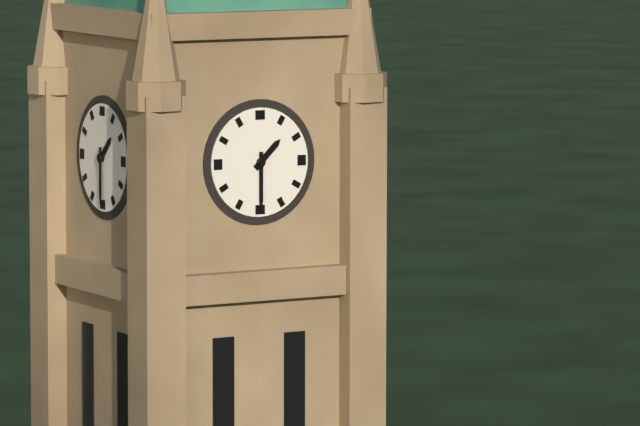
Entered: **1:30**
